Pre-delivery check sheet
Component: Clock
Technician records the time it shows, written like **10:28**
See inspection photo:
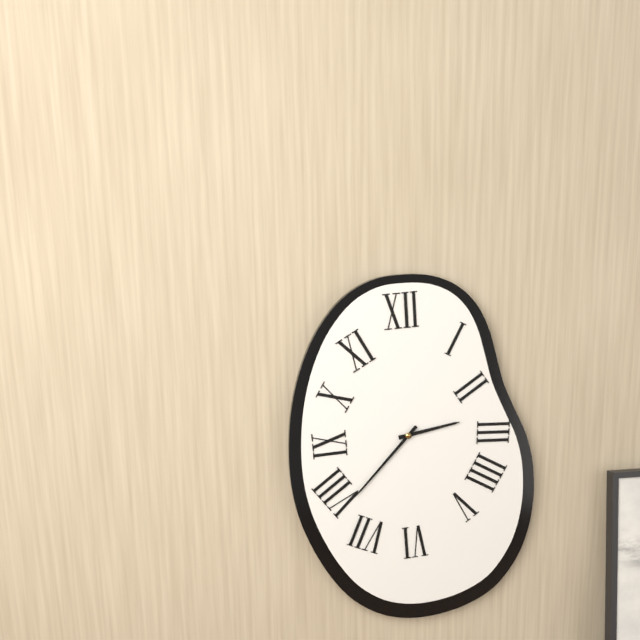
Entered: **2:37**
